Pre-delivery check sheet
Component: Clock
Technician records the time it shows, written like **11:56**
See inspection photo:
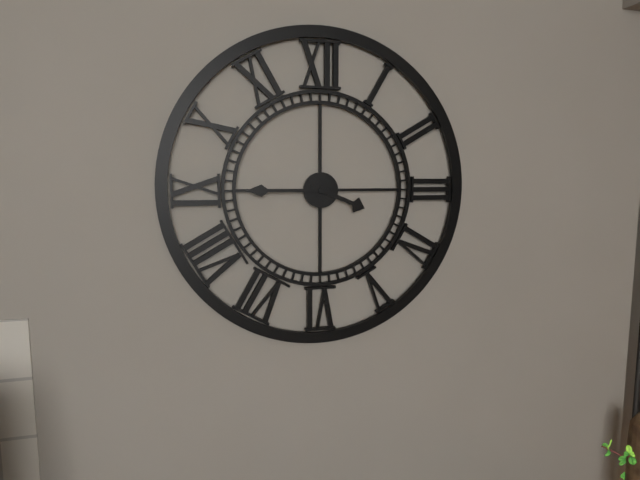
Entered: **3:45**
